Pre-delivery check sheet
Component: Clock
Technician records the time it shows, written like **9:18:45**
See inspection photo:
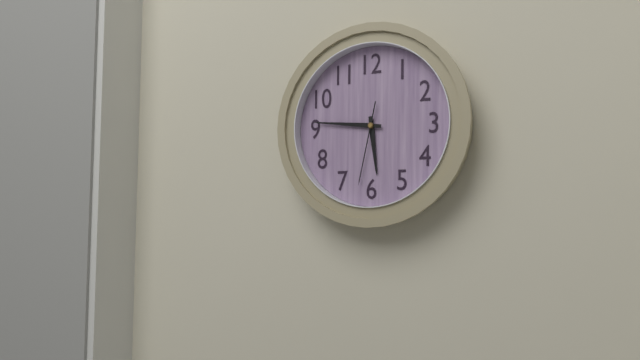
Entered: **5:46:32**
